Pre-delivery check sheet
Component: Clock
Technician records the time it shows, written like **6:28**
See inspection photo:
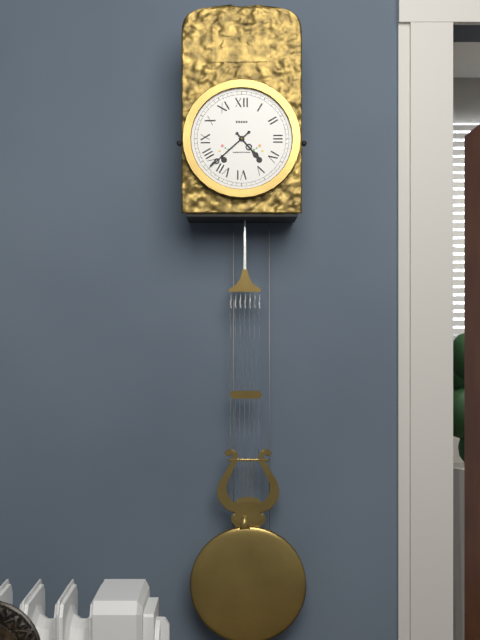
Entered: **4:38**
